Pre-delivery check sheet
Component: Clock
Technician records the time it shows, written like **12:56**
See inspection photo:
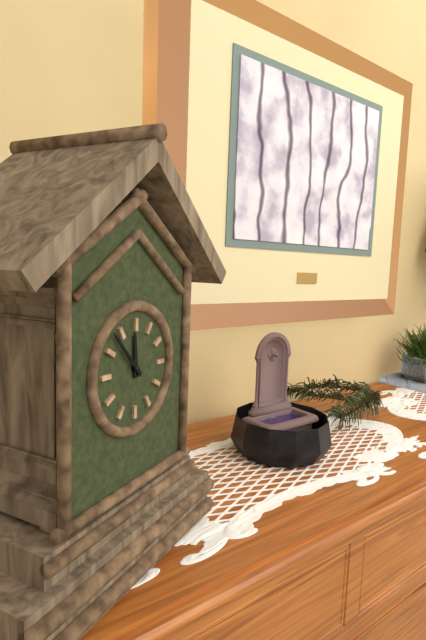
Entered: **11:53**
